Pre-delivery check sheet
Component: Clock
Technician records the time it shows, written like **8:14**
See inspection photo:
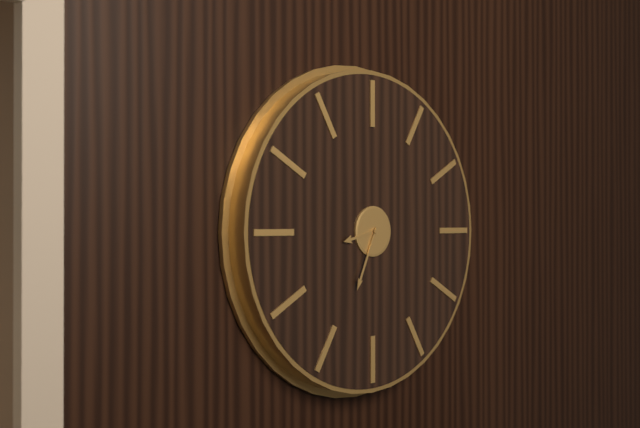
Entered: **8:34**
